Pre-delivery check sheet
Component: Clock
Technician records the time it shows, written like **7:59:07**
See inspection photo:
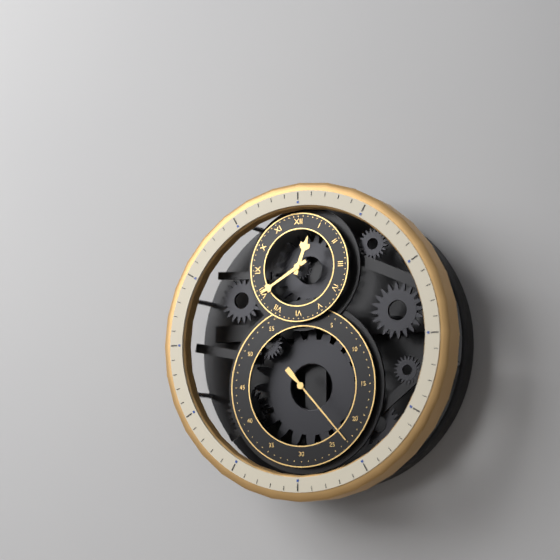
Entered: **12:40:23**
